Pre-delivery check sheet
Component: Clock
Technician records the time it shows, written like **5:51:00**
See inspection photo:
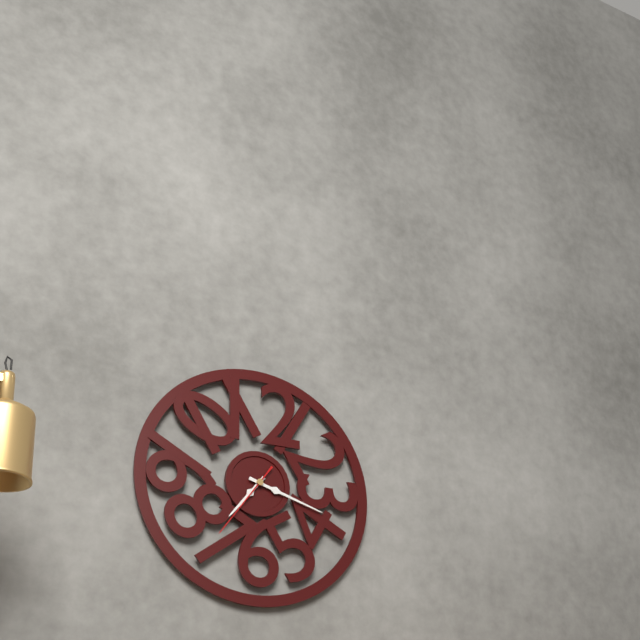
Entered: **7:18:36**
